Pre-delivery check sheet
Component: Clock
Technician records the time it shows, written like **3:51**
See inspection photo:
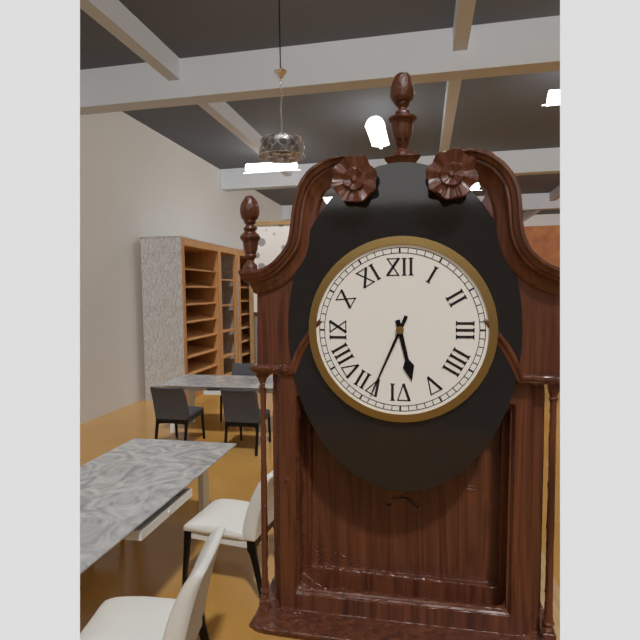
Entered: **5:34**
